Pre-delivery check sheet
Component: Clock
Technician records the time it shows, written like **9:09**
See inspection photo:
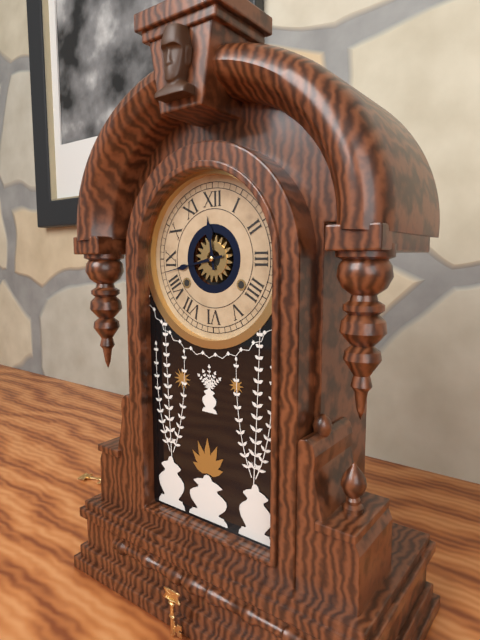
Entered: **11:43**
